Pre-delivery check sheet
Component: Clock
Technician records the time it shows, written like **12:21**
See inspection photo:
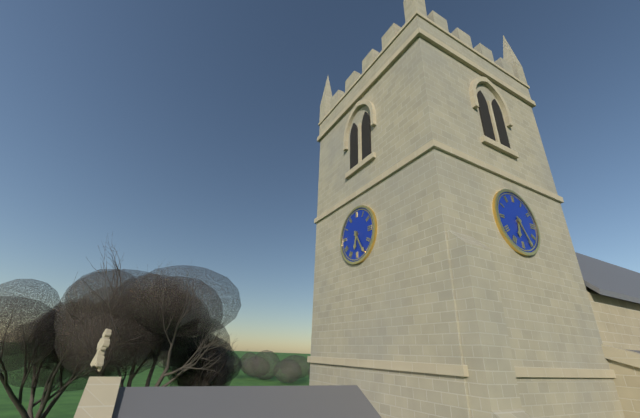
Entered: **6:25**
